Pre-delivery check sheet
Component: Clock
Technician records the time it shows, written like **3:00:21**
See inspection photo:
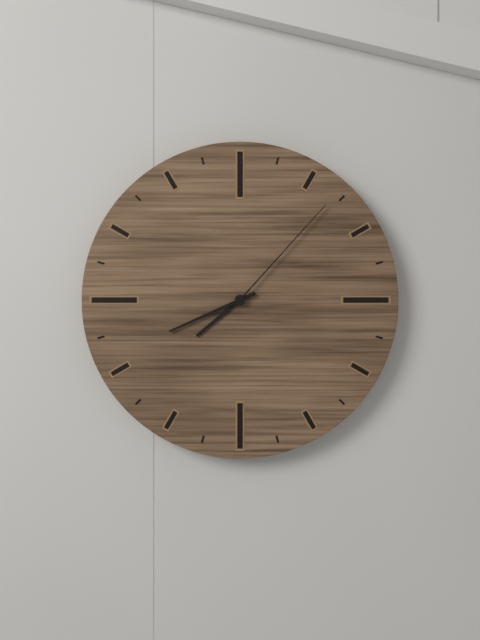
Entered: **7:41:07**
